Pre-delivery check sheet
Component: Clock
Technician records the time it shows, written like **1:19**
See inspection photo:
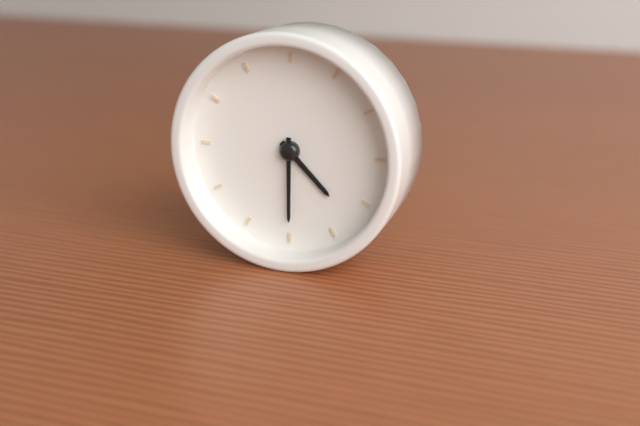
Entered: **4:30**
